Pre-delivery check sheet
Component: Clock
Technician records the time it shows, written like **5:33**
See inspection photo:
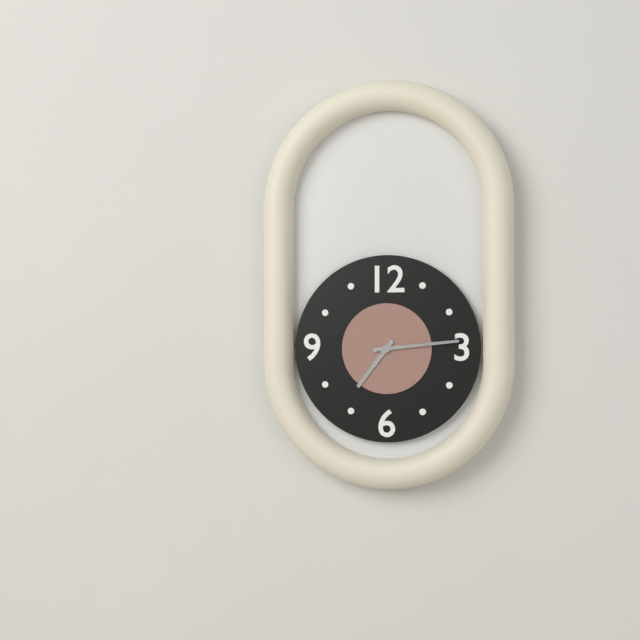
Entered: **7:14**
